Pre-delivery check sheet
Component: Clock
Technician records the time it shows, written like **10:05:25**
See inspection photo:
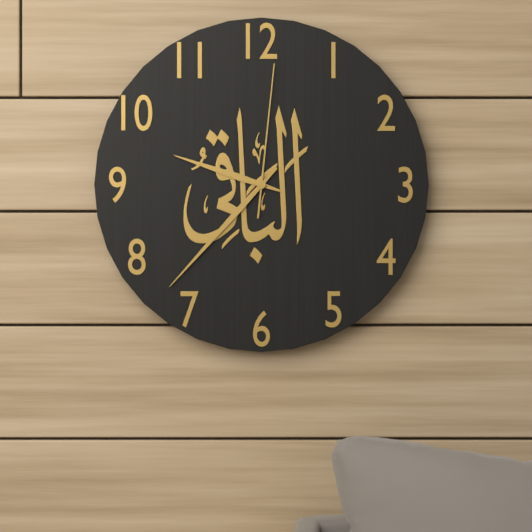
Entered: **9:37:01**
